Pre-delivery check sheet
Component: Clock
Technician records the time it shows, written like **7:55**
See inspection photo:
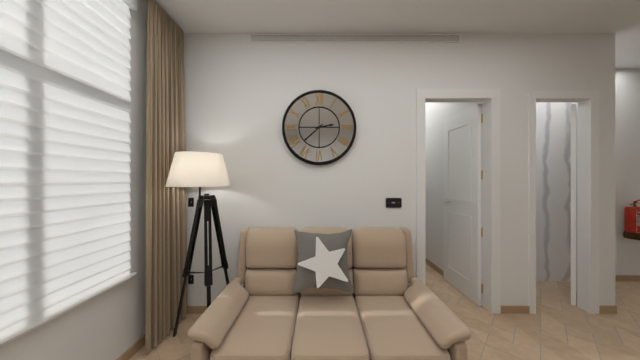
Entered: **2:38**
